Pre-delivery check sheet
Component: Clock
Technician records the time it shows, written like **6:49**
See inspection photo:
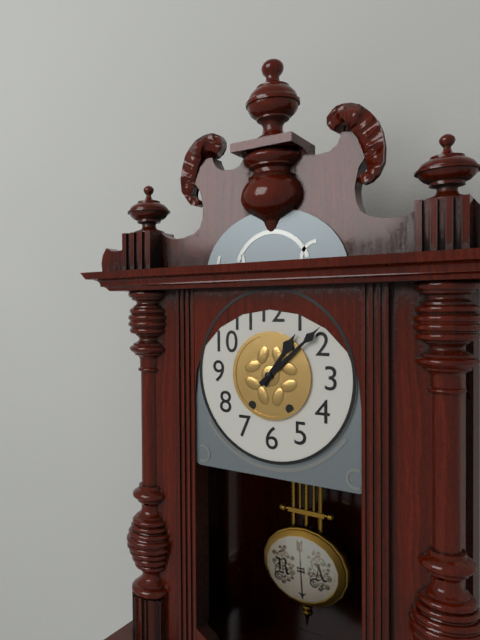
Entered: **1:08**
